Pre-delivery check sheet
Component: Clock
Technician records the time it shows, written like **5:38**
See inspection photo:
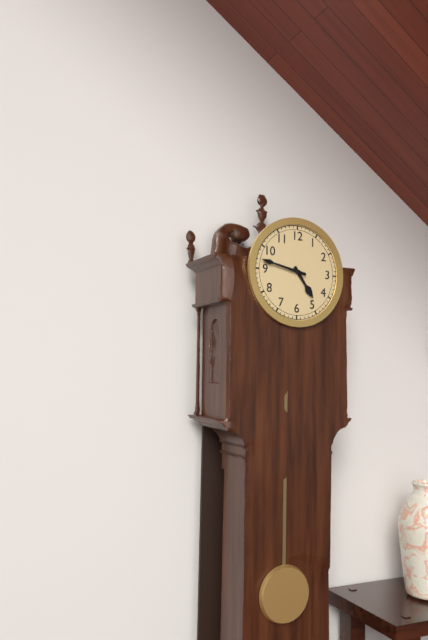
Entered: **4:47**
